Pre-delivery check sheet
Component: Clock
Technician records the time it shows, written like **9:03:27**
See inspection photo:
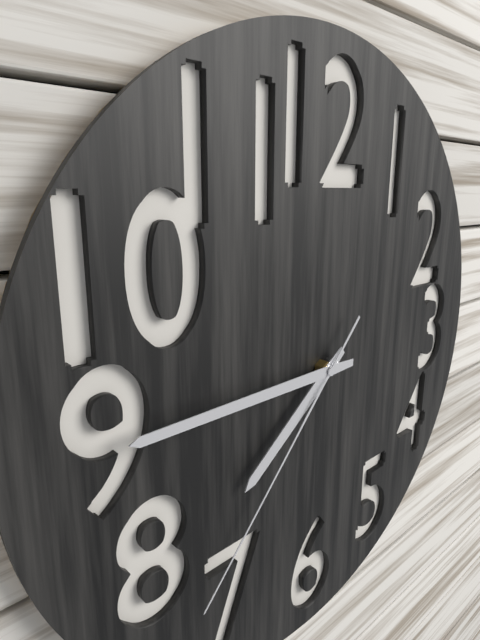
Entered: **7:45:37**
